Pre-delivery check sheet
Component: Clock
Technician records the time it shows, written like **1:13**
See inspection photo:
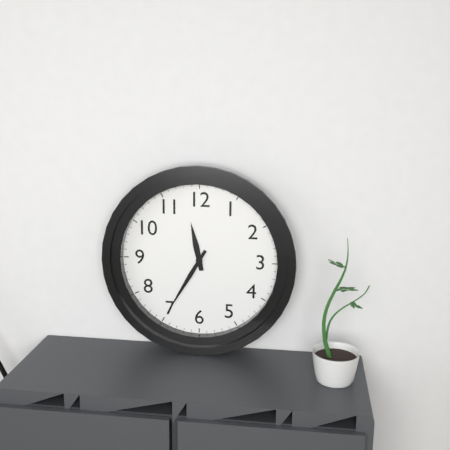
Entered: **11:35**
